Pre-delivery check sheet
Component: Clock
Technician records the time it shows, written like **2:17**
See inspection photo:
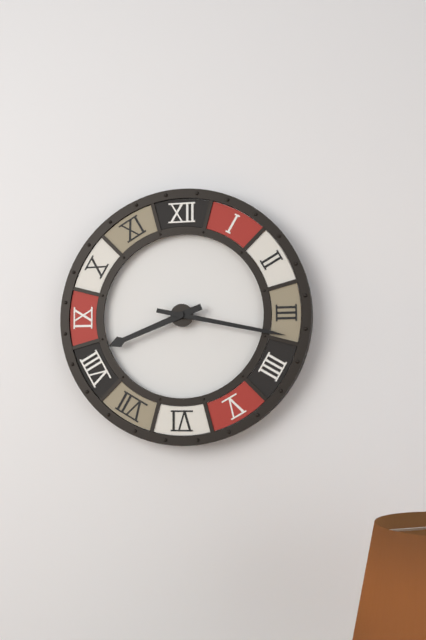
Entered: **8:17**
